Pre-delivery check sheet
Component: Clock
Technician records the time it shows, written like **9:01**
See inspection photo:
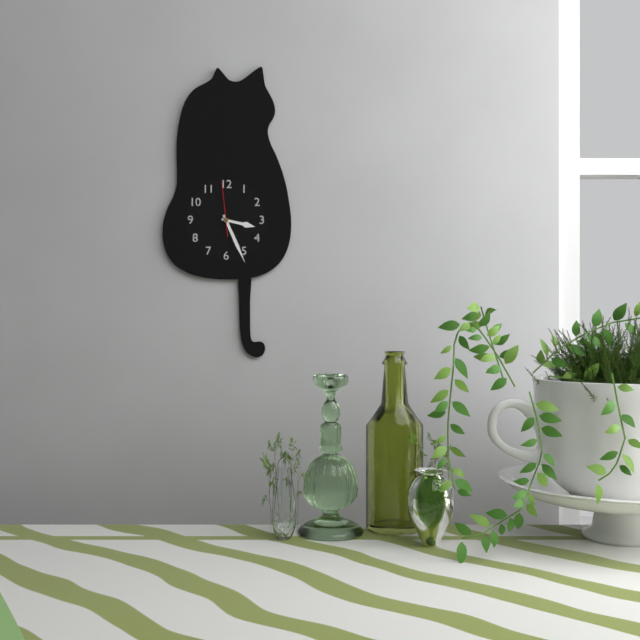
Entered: **3:26**
